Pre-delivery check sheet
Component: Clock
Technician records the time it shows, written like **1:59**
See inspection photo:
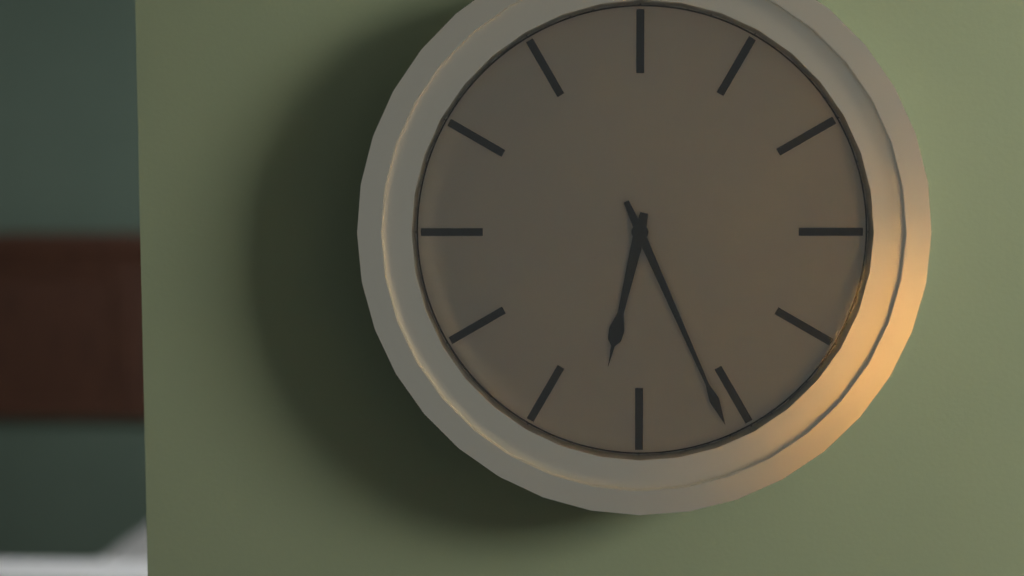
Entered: **6:26**
